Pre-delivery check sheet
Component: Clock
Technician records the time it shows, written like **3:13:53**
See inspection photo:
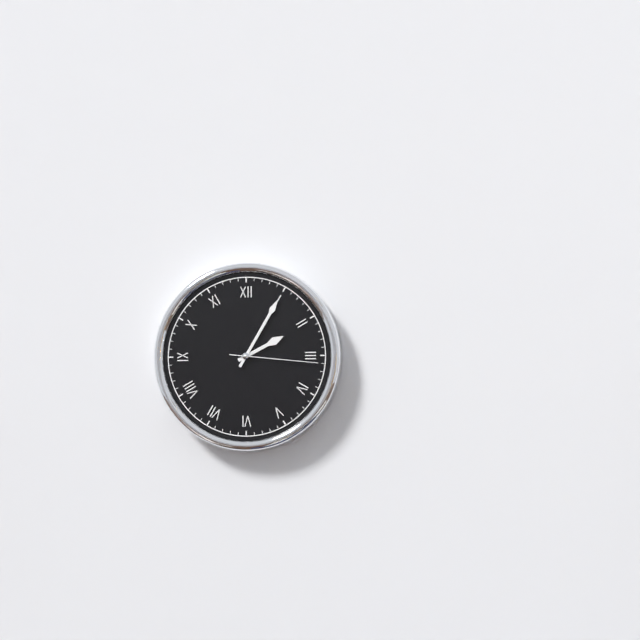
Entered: **2:05:16**
